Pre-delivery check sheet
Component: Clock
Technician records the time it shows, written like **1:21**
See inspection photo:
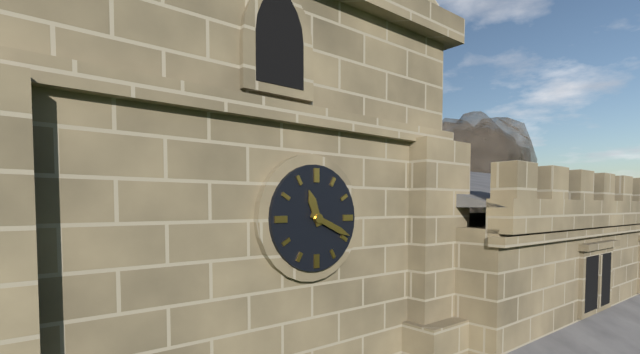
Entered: **11:19**
